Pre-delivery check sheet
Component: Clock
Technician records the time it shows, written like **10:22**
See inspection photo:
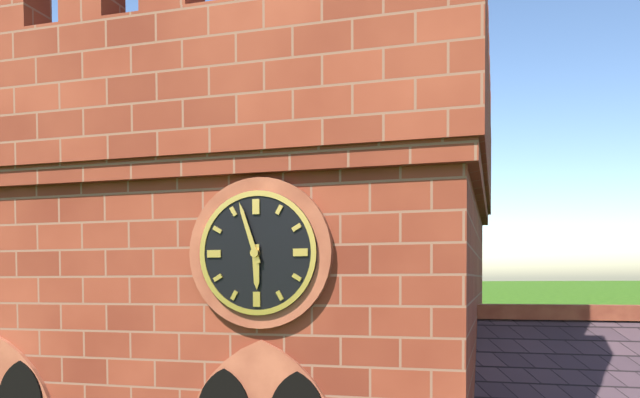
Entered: **5:57**
